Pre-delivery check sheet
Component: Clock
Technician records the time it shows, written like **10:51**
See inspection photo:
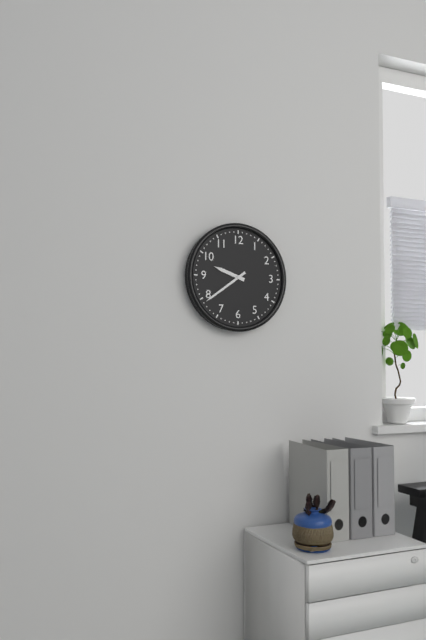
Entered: **9:39**
